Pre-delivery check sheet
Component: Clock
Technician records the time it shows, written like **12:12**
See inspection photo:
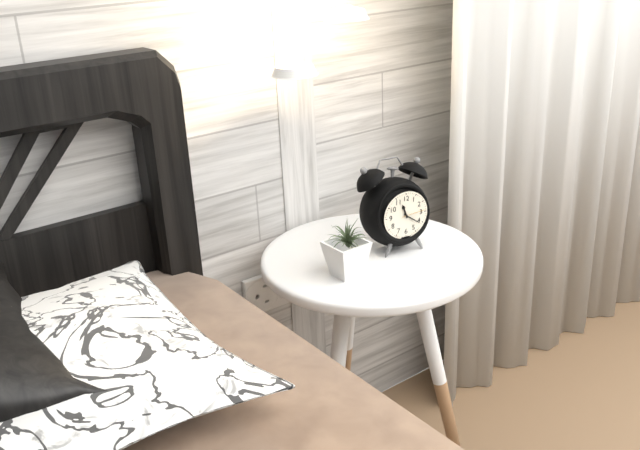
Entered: **11:21**
